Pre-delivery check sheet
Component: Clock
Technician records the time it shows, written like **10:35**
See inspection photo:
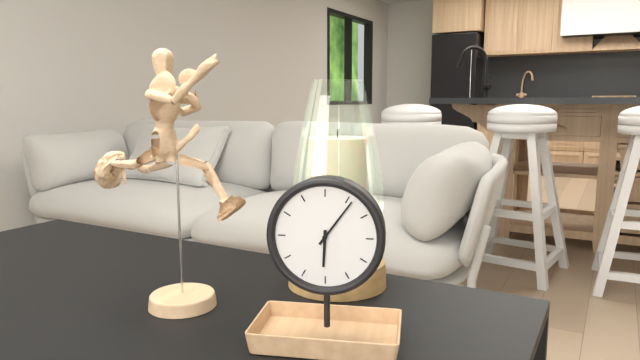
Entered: **6:06**
